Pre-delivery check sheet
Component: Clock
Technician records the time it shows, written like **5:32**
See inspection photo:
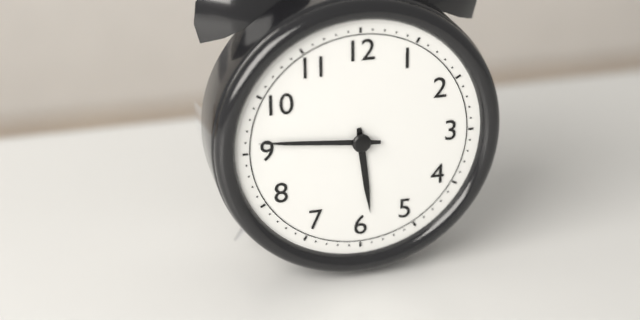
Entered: **5:46**
